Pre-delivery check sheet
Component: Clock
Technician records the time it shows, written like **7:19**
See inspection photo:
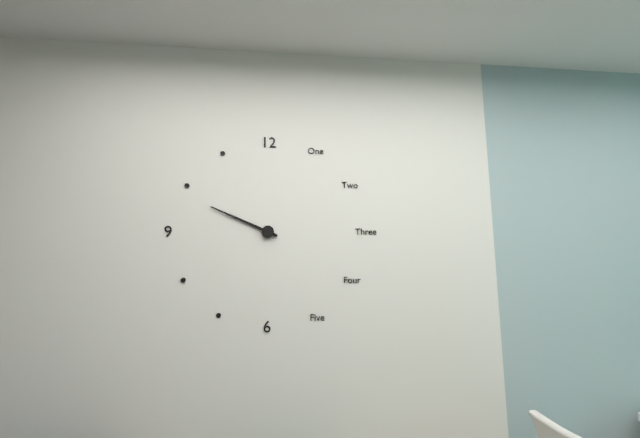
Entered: **9:49**
